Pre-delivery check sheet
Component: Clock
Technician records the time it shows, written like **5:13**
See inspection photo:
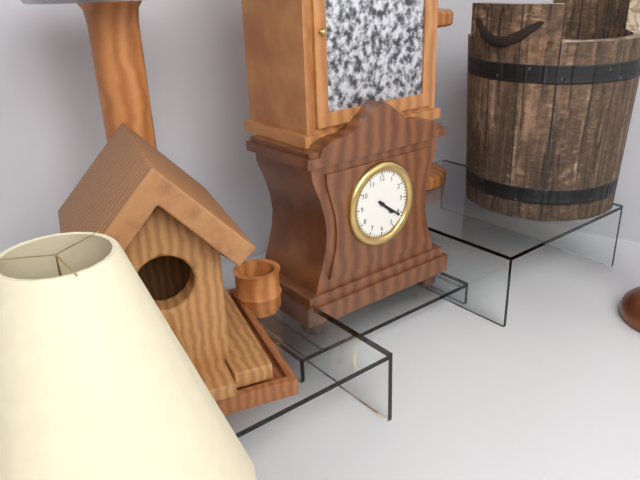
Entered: **4:21**
